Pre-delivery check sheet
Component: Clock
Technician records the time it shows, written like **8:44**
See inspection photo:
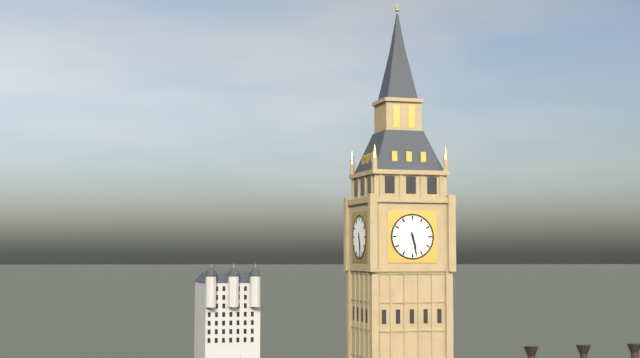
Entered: **5:28**
